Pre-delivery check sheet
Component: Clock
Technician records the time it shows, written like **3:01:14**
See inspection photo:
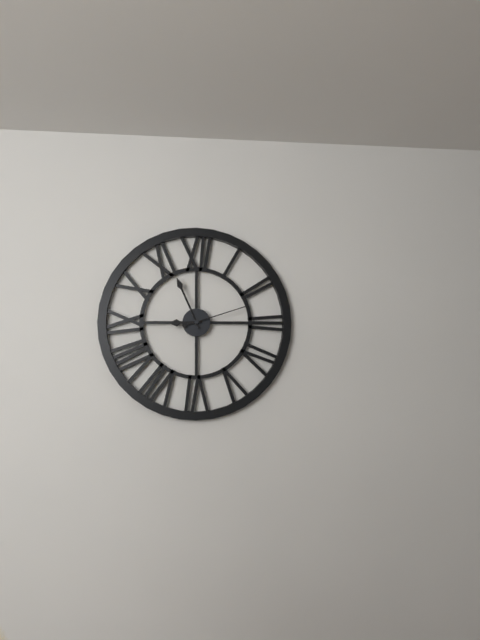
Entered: **8:56:12**
